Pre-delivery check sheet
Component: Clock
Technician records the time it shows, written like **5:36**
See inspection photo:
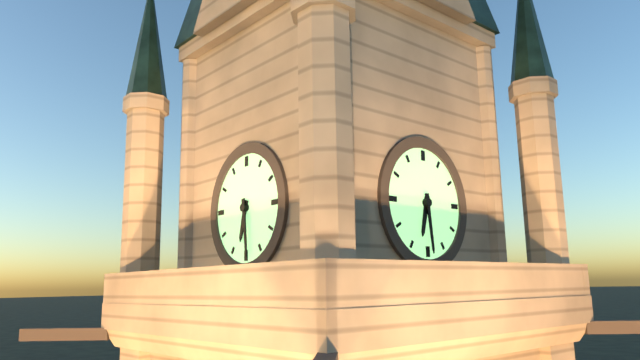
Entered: **6:29**
